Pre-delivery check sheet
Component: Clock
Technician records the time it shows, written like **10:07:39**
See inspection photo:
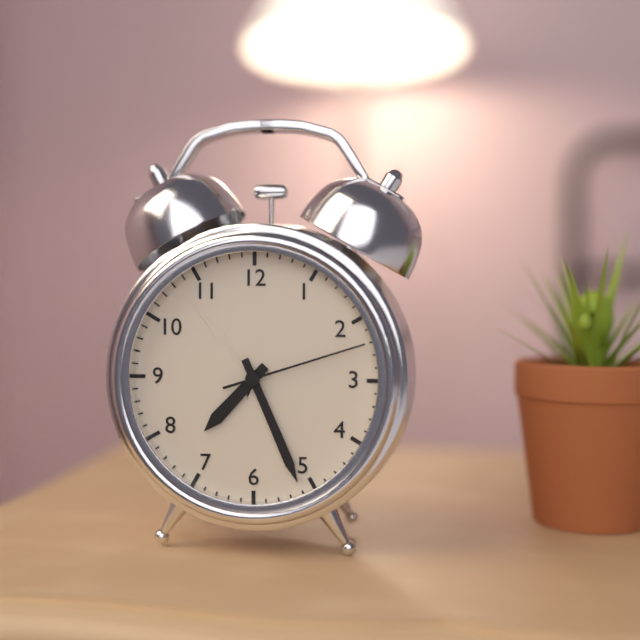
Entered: **7:26:12**
